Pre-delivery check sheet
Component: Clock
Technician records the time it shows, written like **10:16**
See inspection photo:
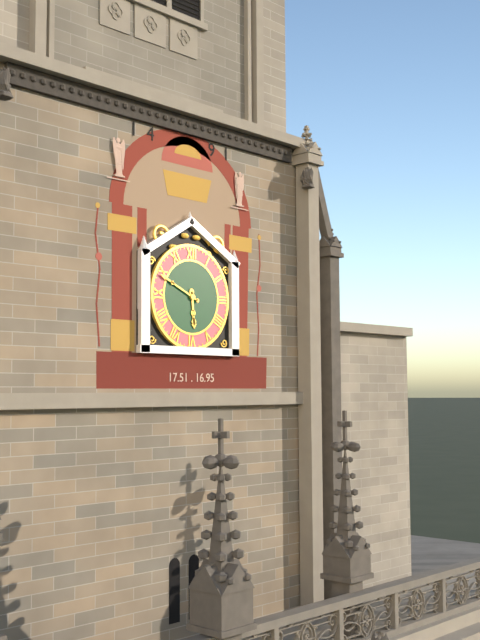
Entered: **5:49**
